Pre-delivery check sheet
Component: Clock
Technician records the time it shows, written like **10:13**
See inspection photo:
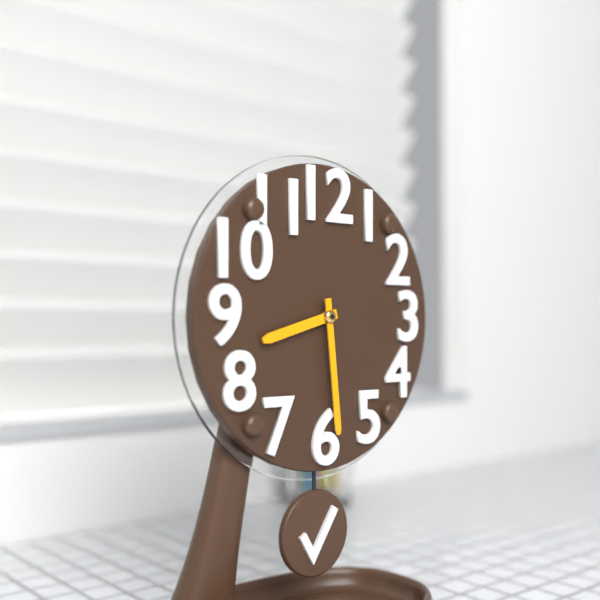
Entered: **8:29**
